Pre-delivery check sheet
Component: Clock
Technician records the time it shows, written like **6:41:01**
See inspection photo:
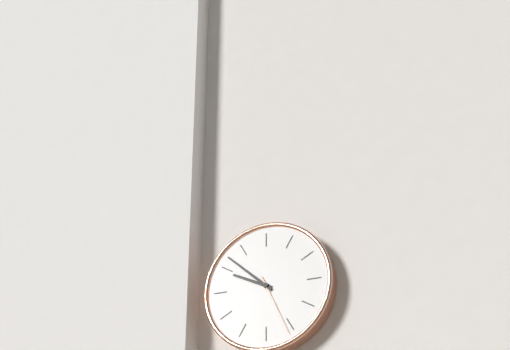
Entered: **9:52:26**
